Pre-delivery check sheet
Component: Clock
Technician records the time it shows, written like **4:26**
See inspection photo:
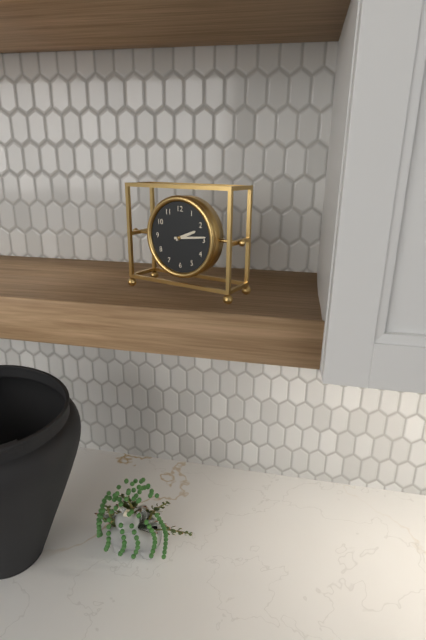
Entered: **2:14**
